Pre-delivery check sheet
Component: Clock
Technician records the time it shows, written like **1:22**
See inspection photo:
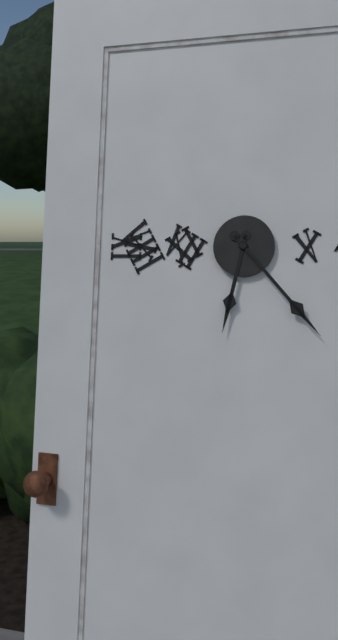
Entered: **6:23**
